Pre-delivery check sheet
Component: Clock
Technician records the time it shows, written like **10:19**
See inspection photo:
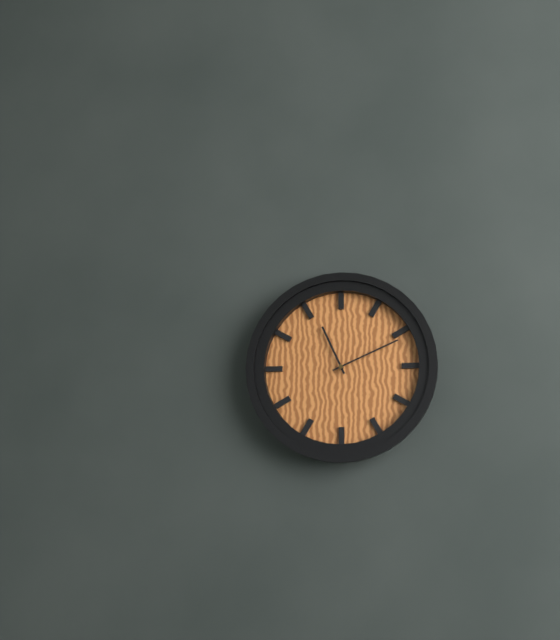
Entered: **11:11**
